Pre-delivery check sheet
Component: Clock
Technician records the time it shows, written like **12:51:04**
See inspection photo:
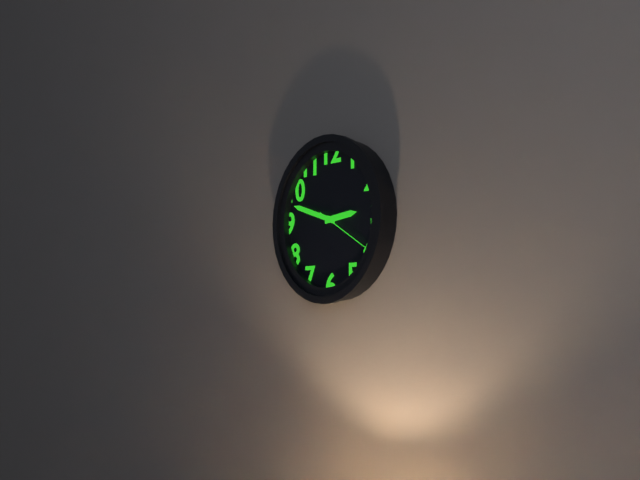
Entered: **2:48:20**
